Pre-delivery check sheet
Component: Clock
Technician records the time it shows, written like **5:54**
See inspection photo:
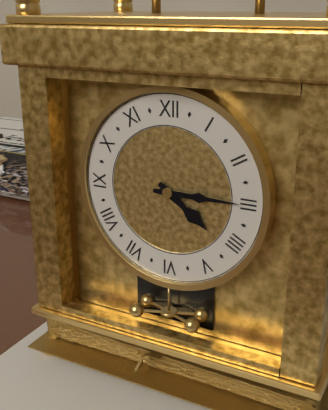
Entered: **4:15**
